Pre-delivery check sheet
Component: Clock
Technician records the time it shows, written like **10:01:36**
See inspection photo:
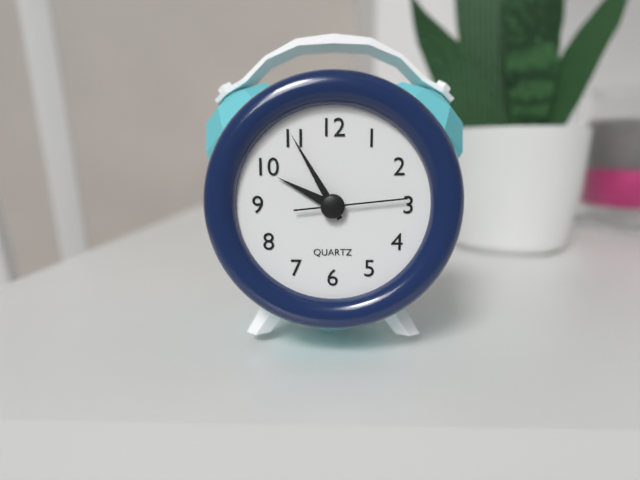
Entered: **9:55:14**
